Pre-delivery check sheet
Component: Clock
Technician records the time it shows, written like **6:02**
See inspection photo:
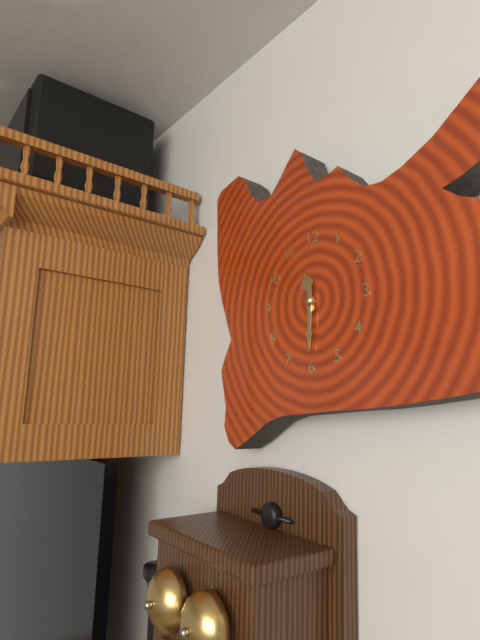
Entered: **11:30**
